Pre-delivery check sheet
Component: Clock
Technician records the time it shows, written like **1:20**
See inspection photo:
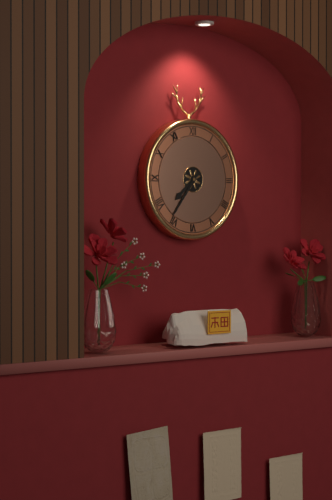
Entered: **7:36**
